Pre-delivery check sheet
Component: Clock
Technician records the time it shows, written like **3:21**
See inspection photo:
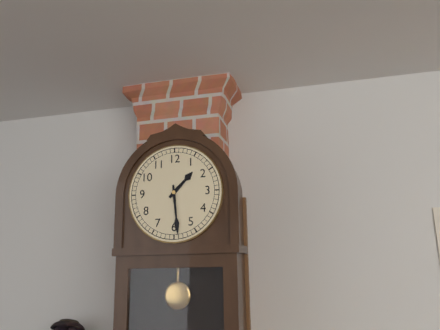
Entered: **1:29**
